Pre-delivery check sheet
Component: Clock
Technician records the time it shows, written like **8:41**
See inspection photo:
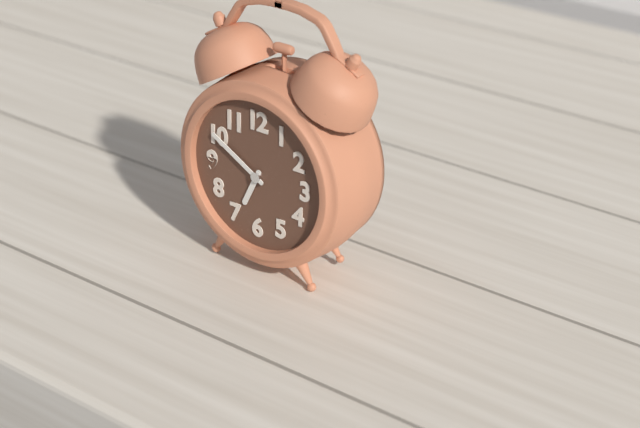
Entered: **6:50**
